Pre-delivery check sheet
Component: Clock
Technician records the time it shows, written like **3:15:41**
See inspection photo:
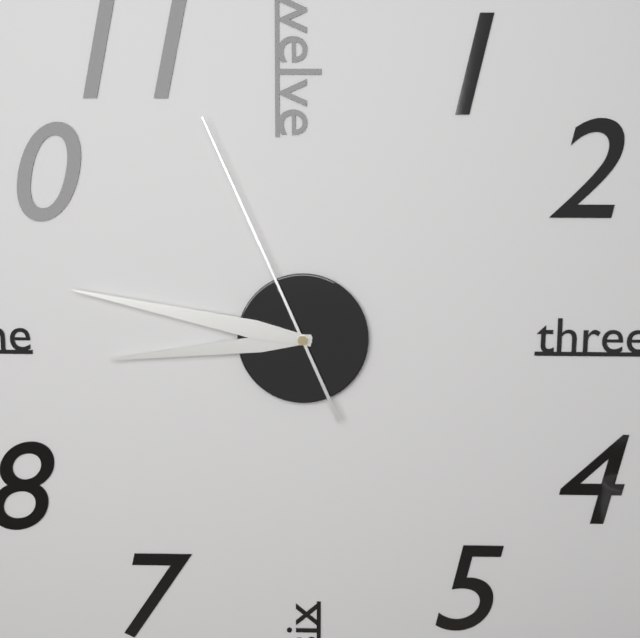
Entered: **8:47:56**
